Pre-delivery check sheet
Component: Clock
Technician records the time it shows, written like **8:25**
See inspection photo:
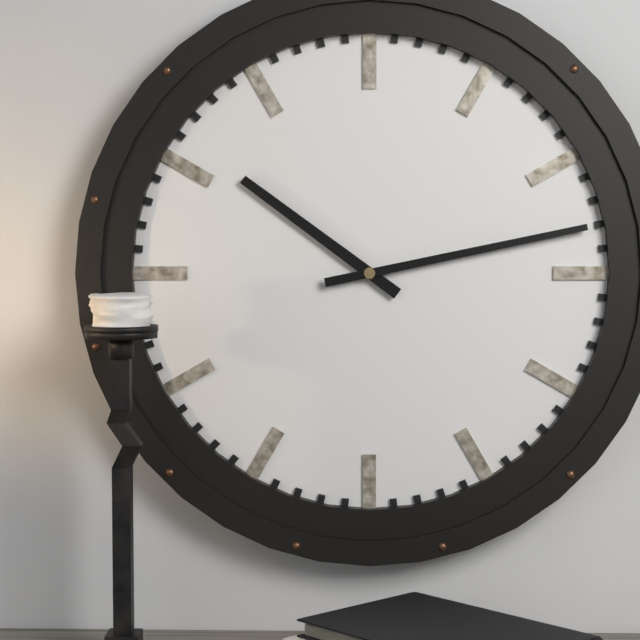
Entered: **10:13**
